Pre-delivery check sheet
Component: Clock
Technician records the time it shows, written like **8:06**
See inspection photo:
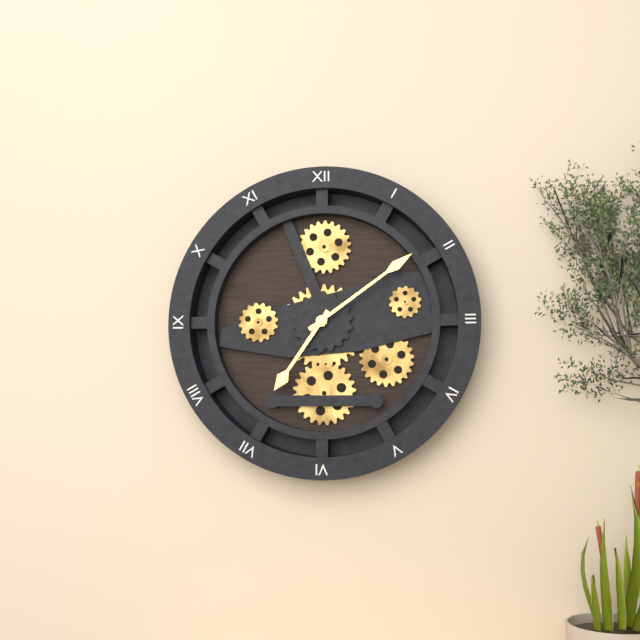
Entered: **7:09**
